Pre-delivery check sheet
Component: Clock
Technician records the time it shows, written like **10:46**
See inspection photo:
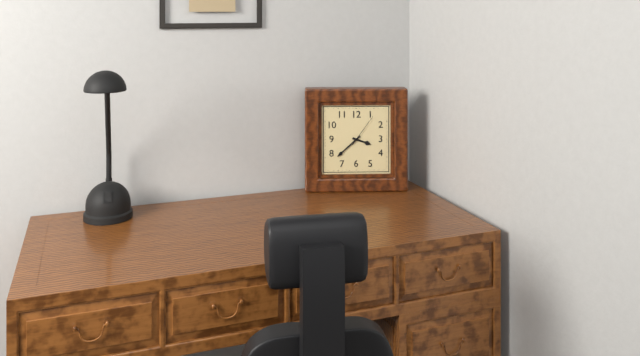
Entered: **3:38**
